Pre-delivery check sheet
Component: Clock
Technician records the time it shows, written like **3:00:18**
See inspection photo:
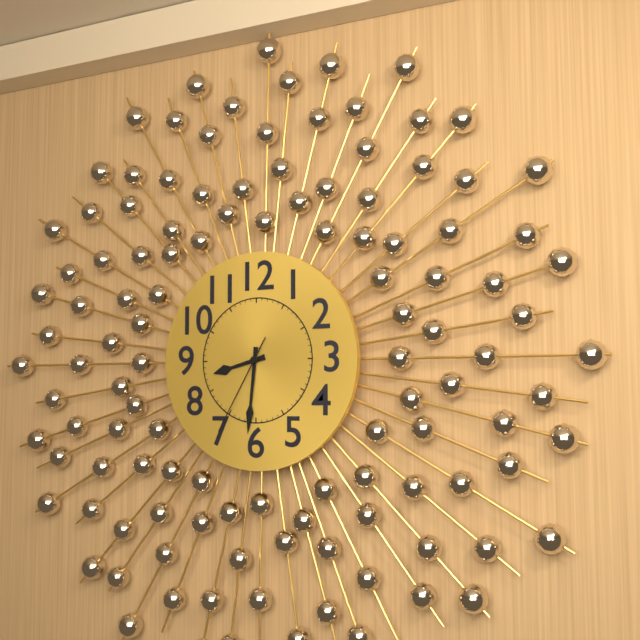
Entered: **8:31:35**
